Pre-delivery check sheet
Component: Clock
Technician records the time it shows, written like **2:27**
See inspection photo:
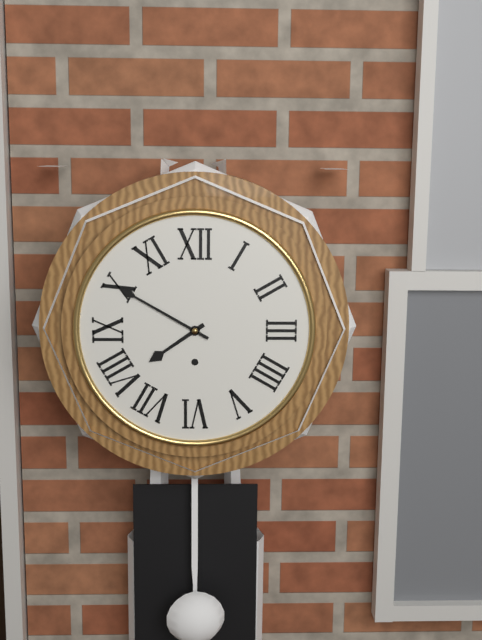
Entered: **7:50**
